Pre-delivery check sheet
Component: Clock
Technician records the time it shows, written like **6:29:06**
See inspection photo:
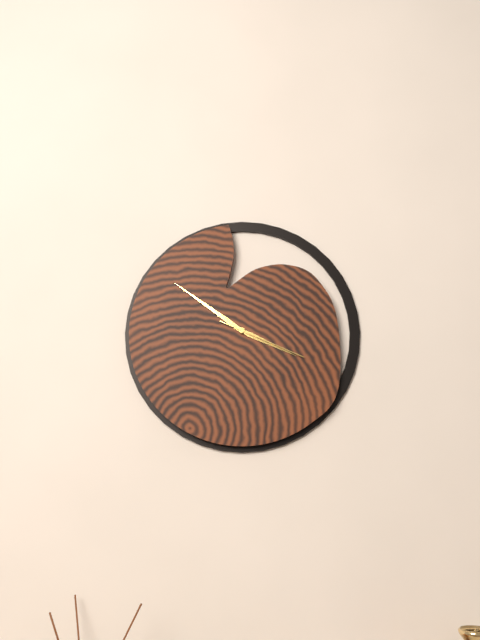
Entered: **3:51:19**
